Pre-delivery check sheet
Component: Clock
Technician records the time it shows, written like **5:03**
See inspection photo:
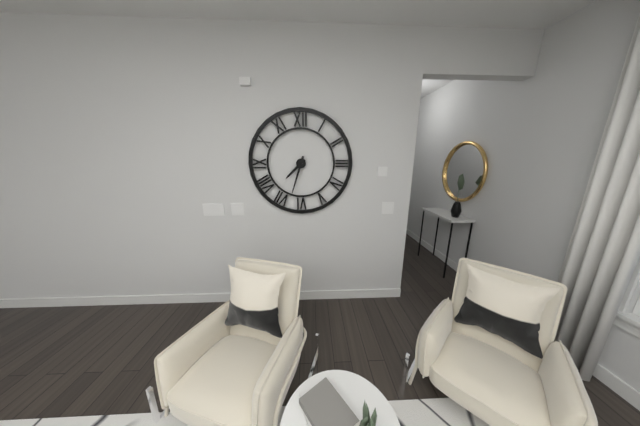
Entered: **7:33**
